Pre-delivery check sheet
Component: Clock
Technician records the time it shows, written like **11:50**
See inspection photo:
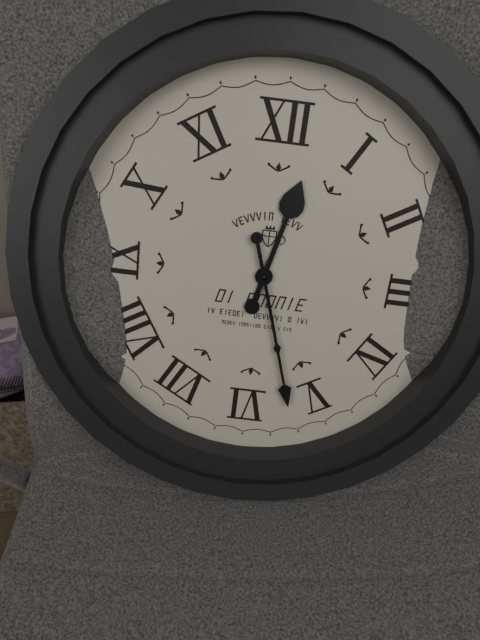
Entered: **12:27**
